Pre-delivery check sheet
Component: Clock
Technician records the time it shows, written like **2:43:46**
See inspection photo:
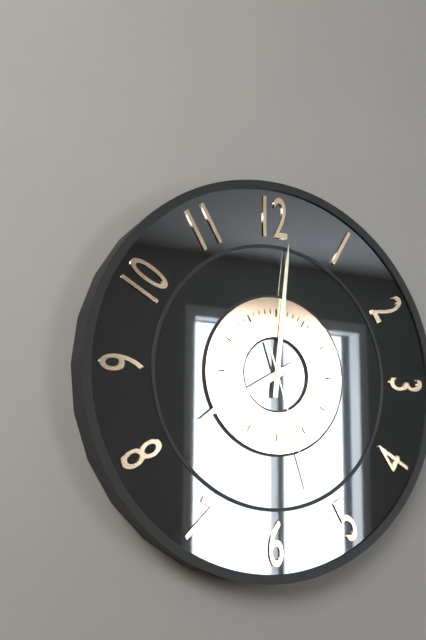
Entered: **8:01:27**
